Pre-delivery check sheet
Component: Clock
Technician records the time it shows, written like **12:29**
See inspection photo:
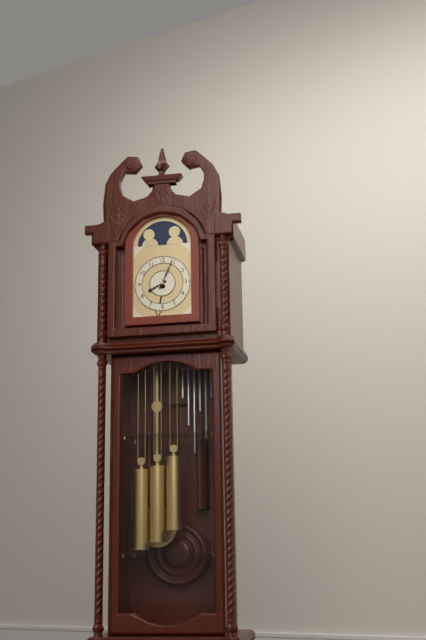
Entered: **8:04**
